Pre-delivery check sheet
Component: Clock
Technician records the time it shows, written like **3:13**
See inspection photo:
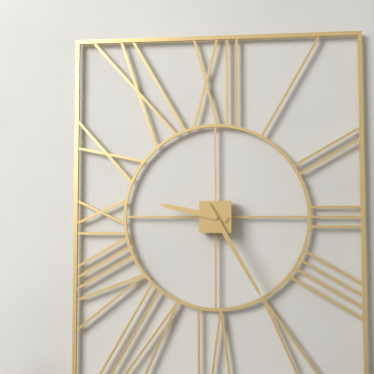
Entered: **9:25**
